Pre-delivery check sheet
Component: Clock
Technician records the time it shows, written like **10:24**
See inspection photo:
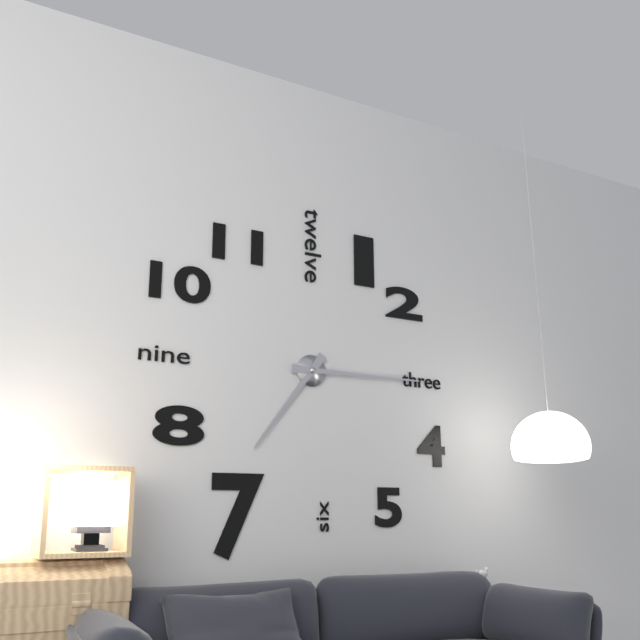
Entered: **7:15**
